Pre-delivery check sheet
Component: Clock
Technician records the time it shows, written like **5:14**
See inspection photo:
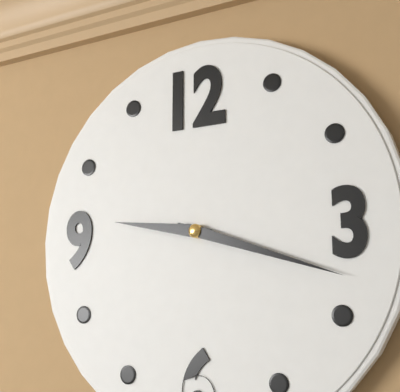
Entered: **9:18**
